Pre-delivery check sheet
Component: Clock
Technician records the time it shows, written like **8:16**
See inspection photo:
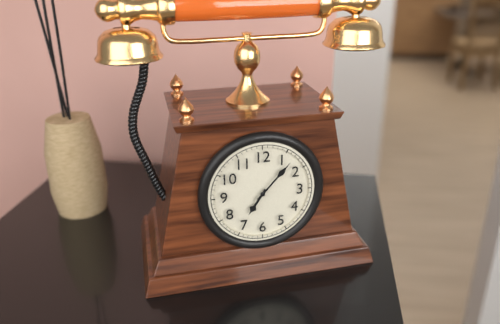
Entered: **7:07**
